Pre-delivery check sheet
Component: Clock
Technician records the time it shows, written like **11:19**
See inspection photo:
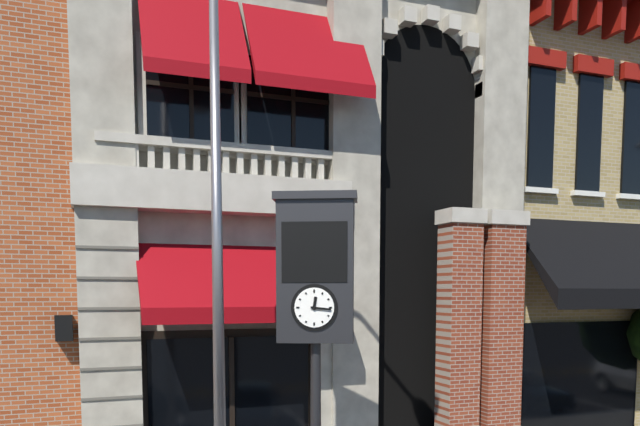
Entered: **12:16**
